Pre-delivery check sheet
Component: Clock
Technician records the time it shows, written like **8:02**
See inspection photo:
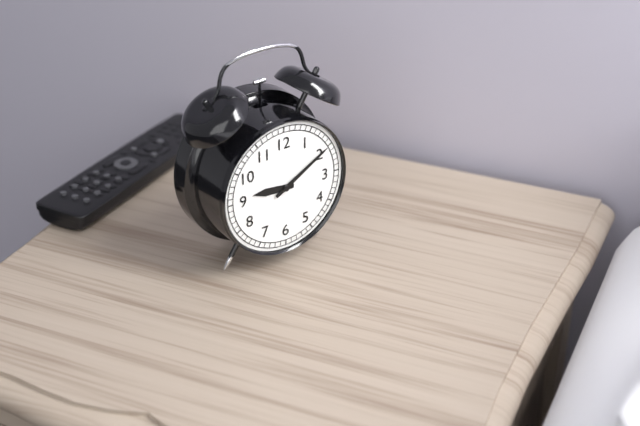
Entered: **9:10**
